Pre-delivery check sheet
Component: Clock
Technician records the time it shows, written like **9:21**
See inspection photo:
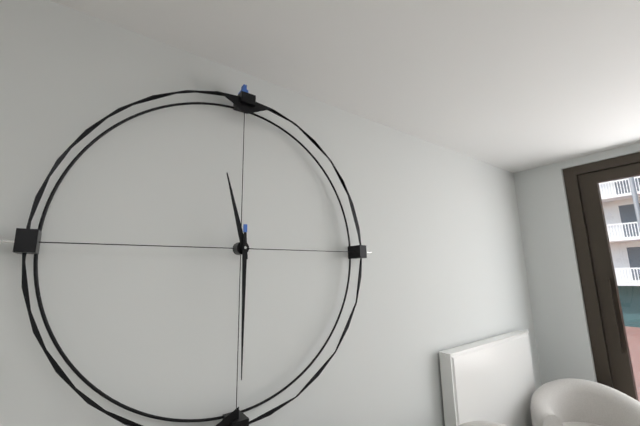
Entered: **11:30**
